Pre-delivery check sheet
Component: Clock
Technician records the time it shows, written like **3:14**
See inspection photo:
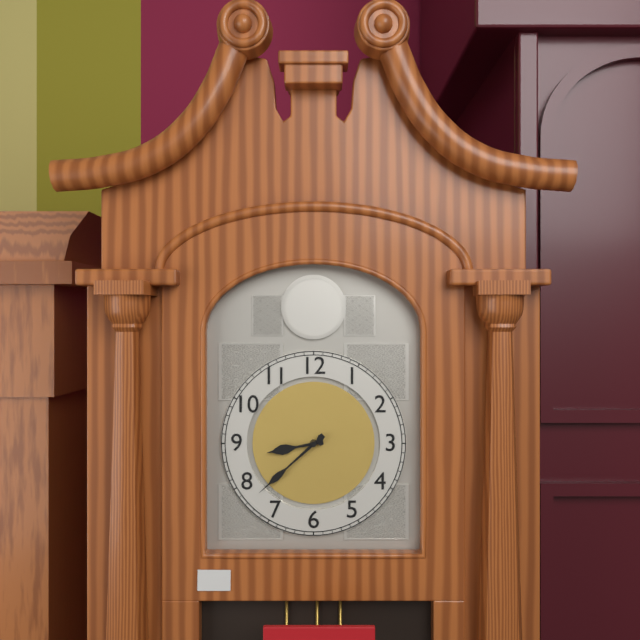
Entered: **8:38**
